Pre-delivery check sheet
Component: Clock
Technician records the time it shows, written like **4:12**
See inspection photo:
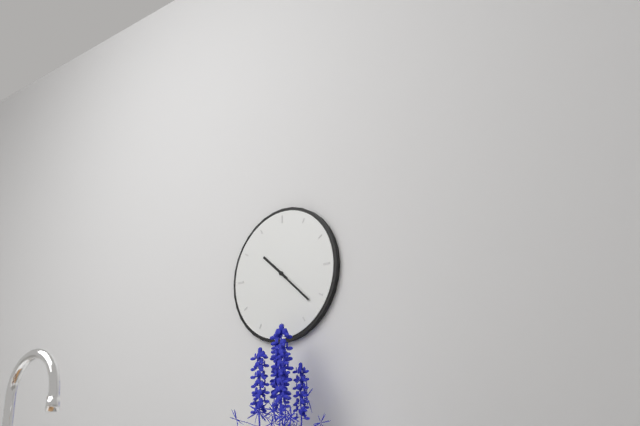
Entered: **10:22**
